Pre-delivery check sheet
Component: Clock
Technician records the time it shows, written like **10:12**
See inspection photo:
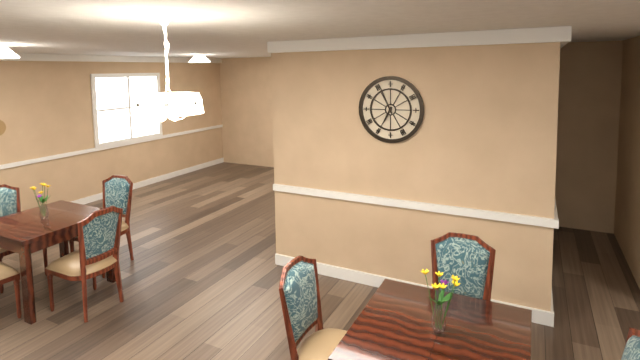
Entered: **6:56**
